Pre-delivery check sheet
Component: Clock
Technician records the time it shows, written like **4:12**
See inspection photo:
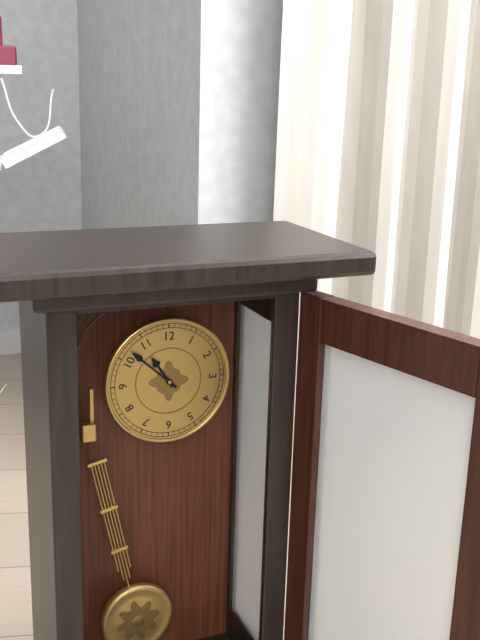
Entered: **10:52**
